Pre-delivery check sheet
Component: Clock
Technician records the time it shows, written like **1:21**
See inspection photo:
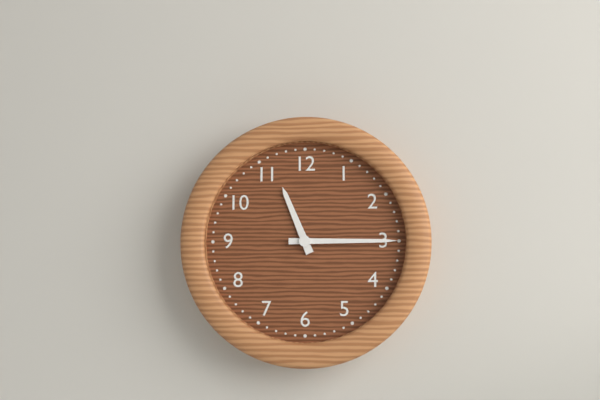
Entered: **11:15**
